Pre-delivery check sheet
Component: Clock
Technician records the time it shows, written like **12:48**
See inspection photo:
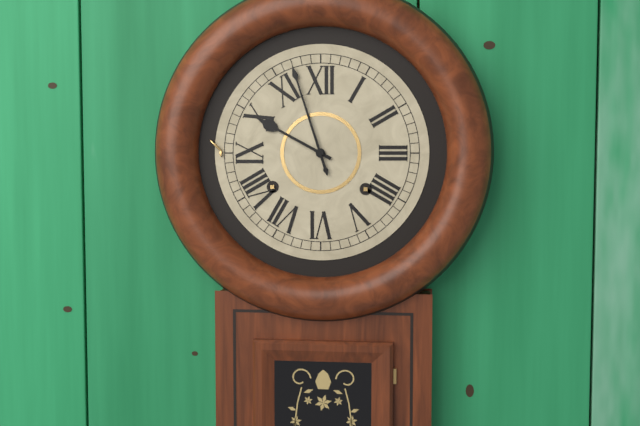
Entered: **9:57**
